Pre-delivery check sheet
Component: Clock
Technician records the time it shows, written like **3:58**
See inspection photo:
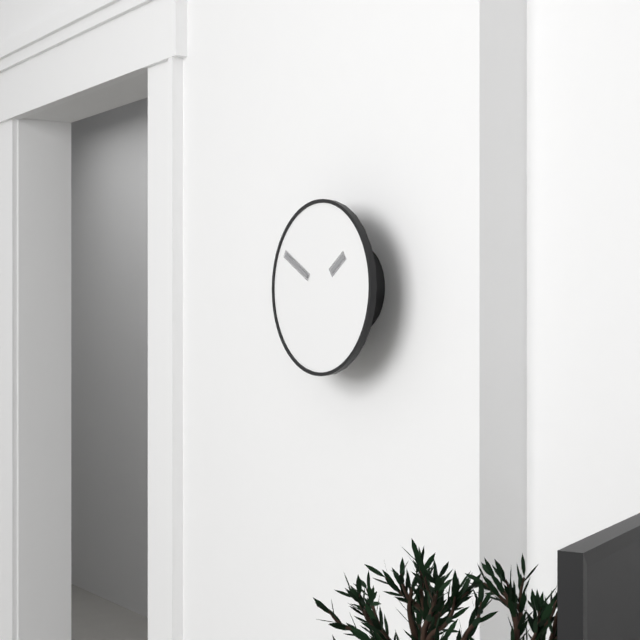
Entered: **1:50**
